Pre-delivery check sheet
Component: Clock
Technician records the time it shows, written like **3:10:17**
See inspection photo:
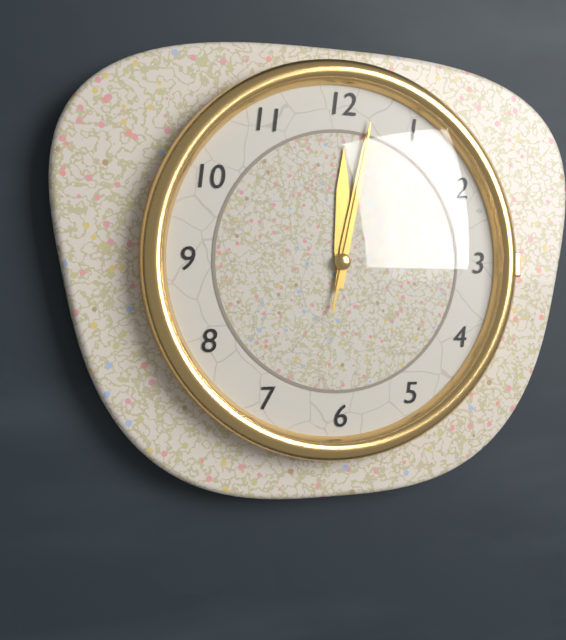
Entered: **12:02:02**
